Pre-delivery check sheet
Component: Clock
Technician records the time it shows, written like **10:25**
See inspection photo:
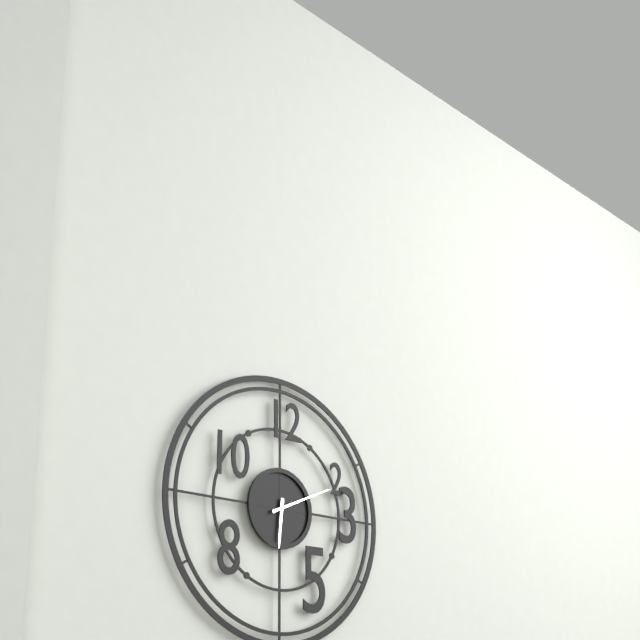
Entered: **6:11**
